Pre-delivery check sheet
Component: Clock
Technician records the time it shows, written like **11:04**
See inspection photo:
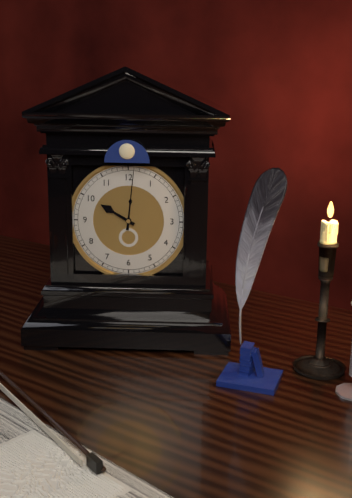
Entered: **10:01**
